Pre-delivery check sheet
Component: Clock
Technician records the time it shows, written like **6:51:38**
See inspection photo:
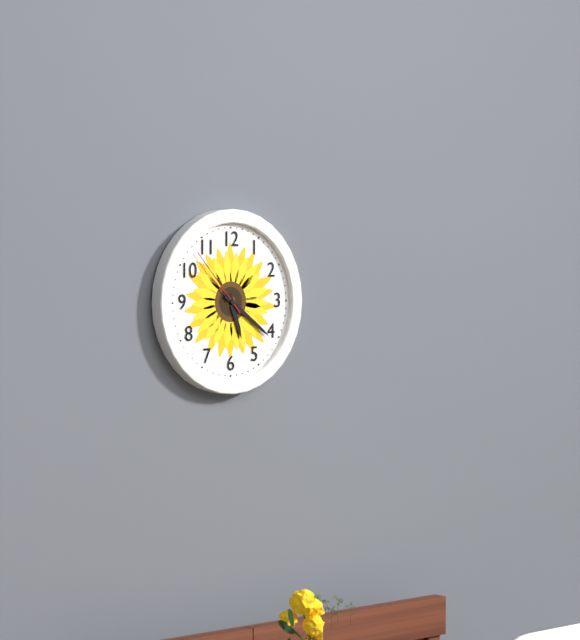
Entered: **5:21:53**
